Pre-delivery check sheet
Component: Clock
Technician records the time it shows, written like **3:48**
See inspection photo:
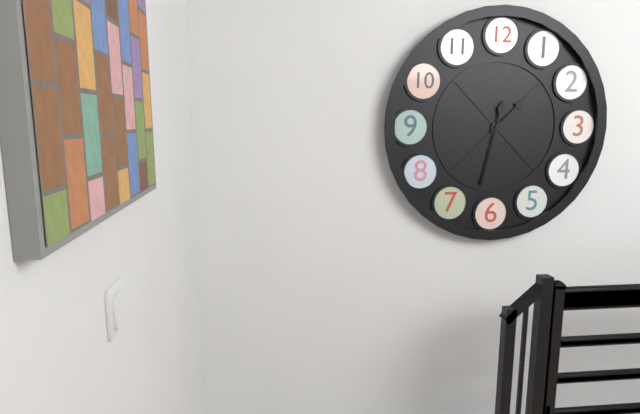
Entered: **1:32**
